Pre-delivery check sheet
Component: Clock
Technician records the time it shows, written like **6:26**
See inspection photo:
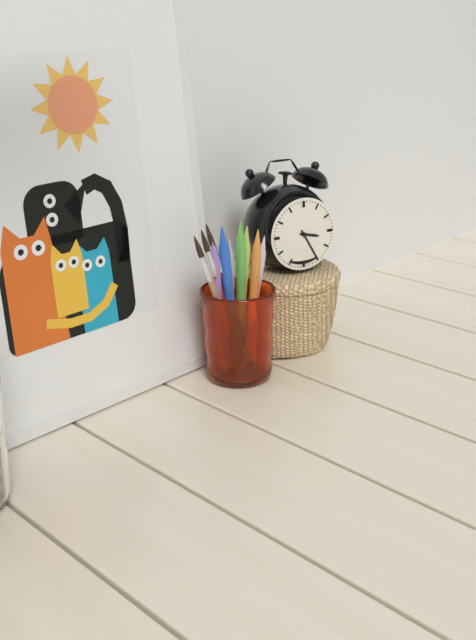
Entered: **3:25**
